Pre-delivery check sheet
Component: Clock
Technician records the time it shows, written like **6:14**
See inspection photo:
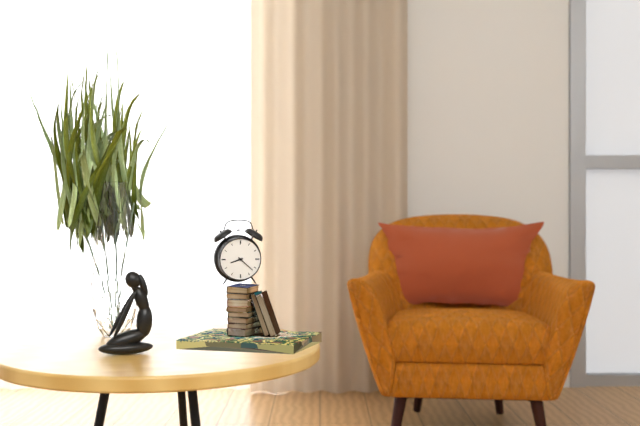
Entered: **8:22**
